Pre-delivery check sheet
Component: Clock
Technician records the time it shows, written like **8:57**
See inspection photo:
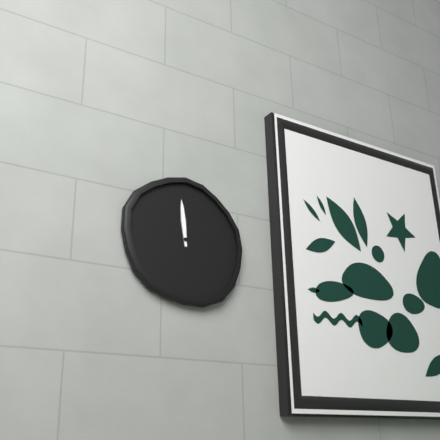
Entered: **11:59**
